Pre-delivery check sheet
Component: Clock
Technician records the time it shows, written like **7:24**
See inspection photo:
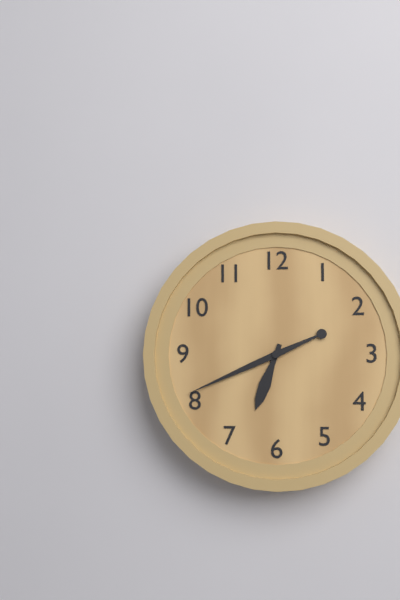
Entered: **6:41**
